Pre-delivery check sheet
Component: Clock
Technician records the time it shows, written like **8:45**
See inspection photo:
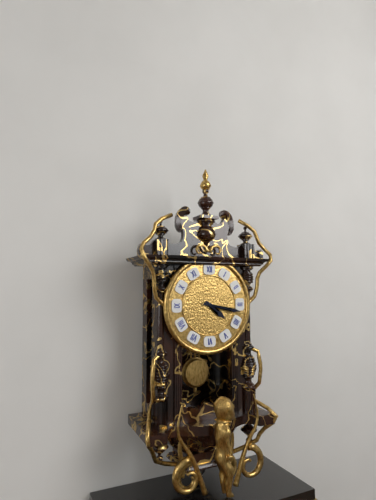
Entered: **4:17**
